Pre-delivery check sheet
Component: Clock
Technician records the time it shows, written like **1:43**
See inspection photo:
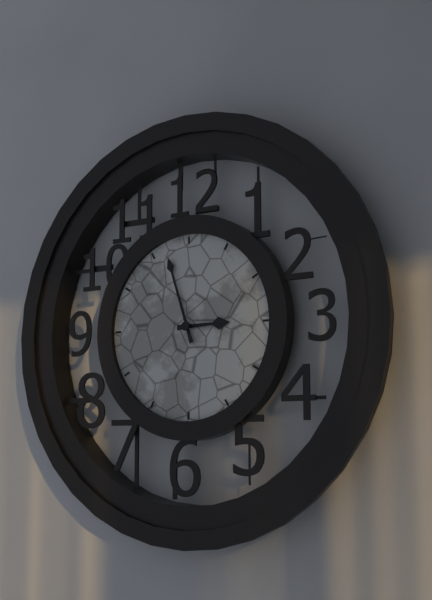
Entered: **2:57**
